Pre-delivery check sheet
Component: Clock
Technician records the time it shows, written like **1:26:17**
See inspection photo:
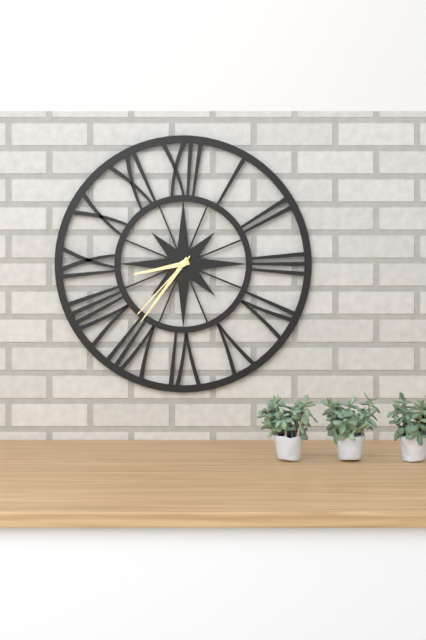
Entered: **8:36:37**
